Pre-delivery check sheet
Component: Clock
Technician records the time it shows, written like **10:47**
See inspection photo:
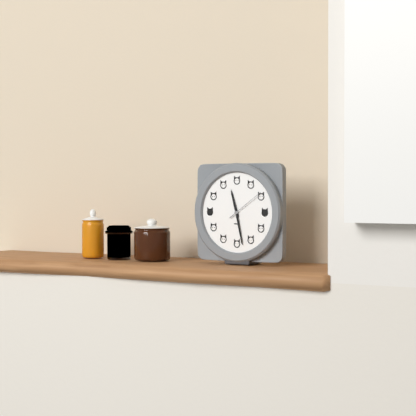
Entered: **11:28**
